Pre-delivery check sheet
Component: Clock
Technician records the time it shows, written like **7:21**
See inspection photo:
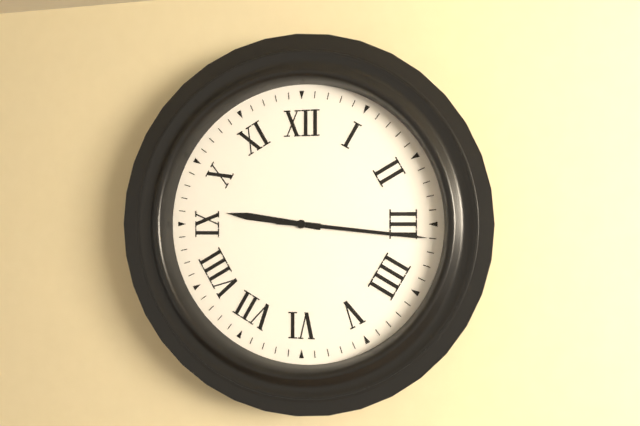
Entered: **9:16**
